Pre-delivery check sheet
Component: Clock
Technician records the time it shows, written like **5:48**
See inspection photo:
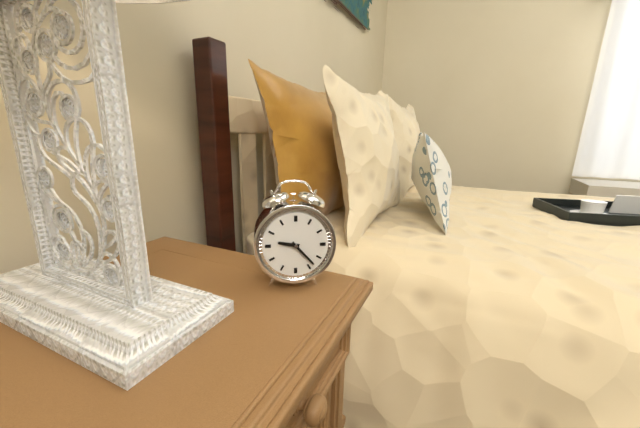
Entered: **9:23**
